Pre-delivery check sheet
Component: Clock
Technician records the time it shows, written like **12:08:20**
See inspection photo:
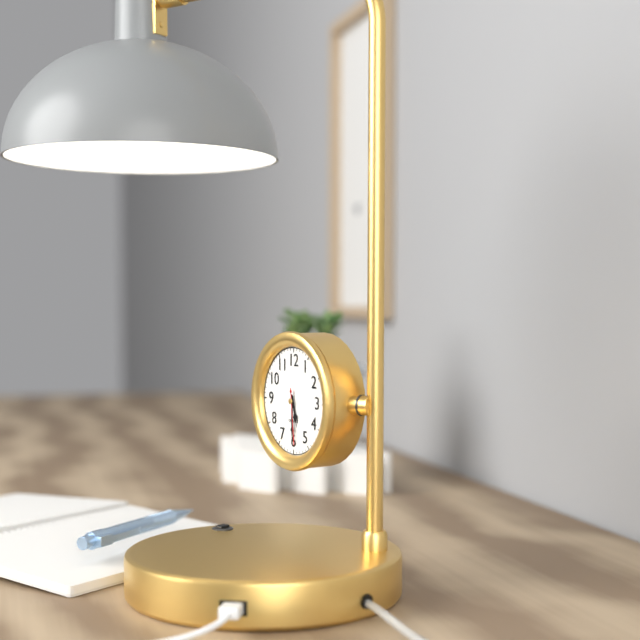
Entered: **5:30:29**
